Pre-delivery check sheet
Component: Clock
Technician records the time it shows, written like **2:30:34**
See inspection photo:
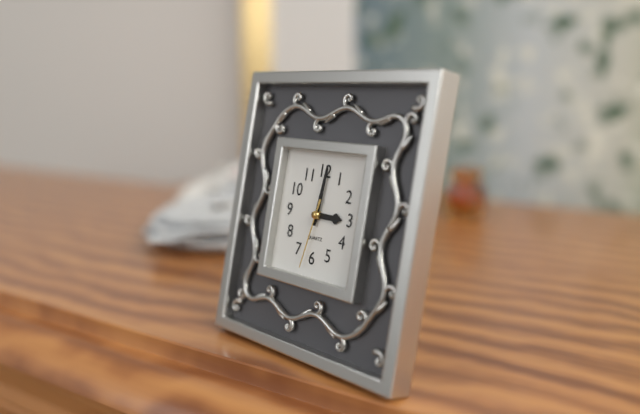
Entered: **3:01:32**
